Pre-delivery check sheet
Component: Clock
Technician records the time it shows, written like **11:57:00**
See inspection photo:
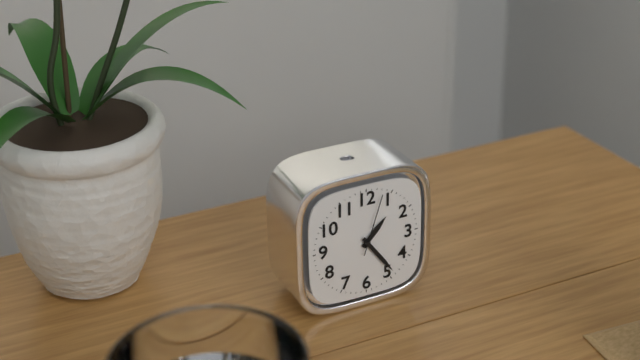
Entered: **1:24:03**
